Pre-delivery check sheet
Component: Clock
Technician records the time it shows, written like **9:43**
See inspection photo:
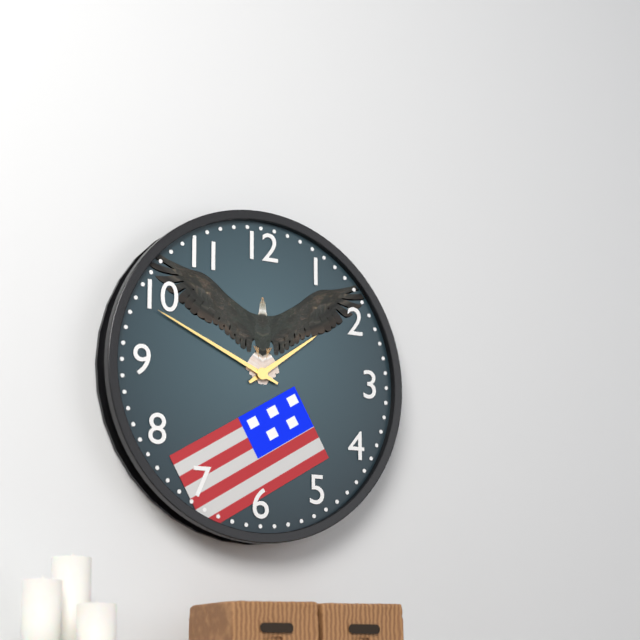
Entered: **1:49**
